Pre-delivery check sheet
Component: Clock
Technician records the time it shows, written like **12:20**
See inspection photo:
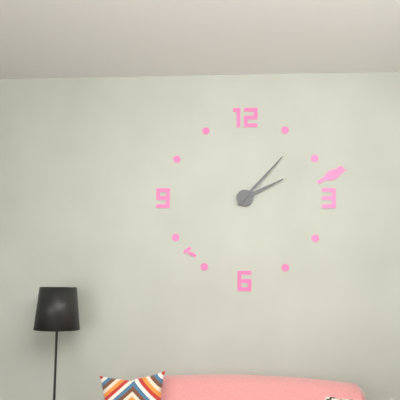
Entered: **2:07**
